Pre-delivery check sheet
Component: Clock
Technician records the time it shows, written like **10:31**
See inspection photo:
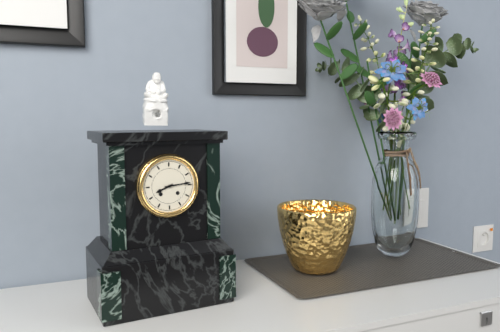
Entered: **8:14**
